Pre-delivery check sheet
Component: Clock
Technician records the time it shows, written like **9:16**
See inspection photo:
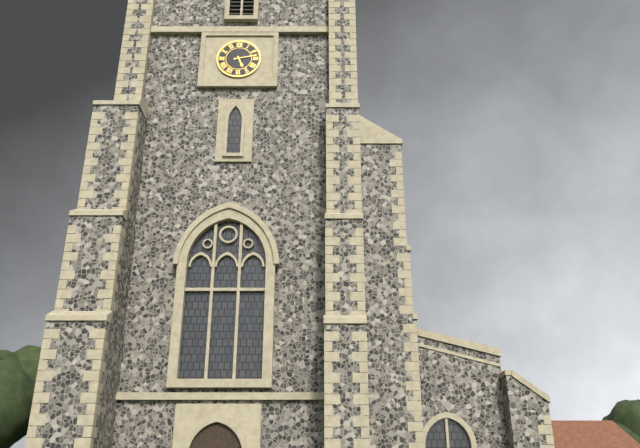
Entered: **5:13**
